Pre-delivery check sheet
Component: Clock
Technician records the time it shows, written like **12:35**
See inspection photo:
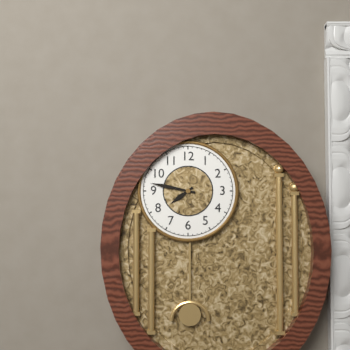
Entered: **7:47**
